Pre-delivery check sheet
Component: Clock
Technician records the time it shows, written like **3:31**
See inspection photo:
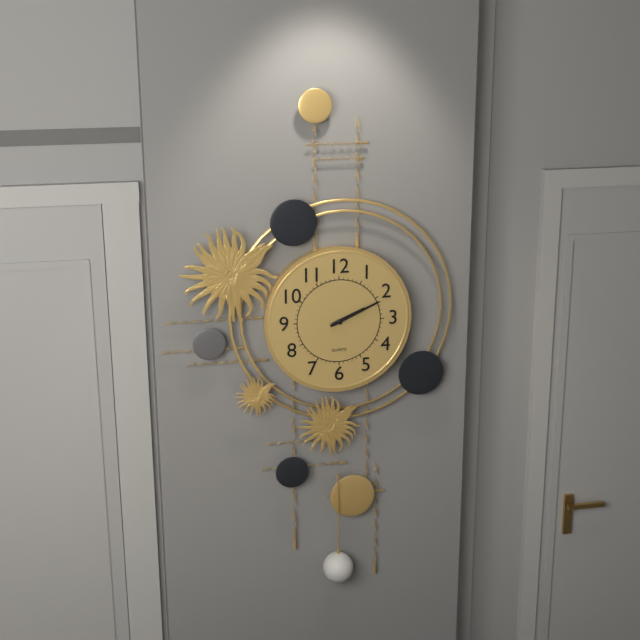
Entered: **2:11**
